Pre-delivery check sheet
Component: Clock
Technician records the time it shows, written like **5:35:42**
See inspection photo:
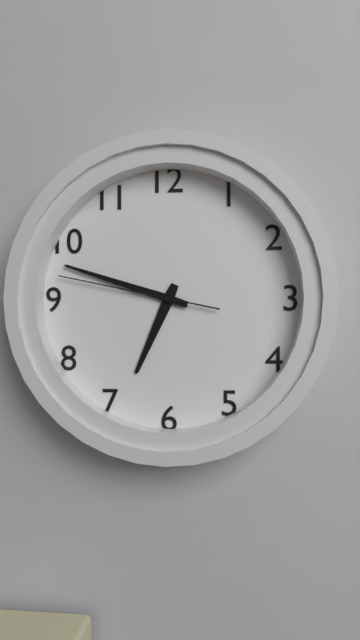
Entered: **6:48:47**
